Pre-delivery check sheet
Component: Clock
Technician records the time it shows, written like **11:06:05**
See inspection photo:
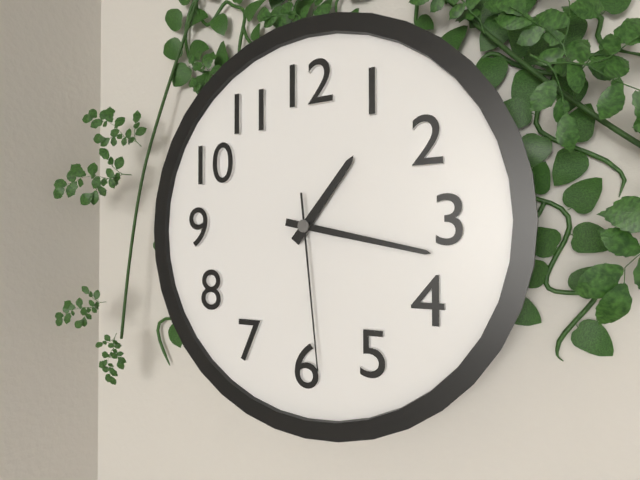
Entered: **1:17:29**
